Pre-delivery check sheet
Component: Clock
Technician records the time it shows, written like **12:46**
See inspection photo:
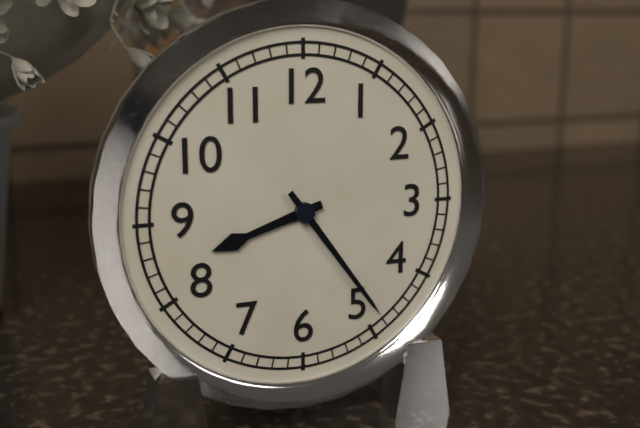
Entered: **8:24**
